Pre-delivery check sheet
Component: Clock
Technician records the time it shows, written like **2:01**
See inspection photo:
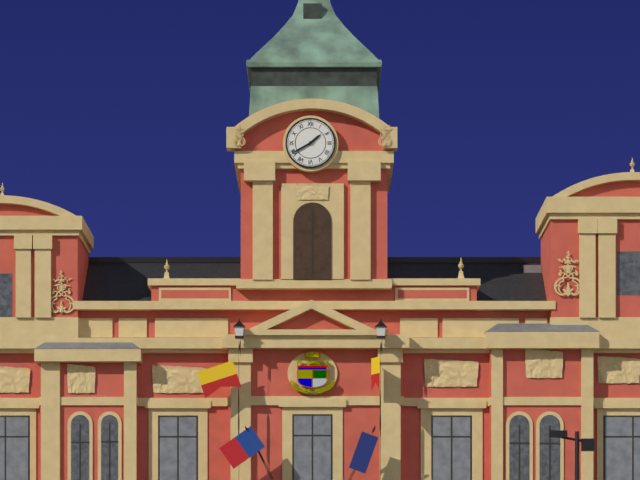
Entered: **1:40**
